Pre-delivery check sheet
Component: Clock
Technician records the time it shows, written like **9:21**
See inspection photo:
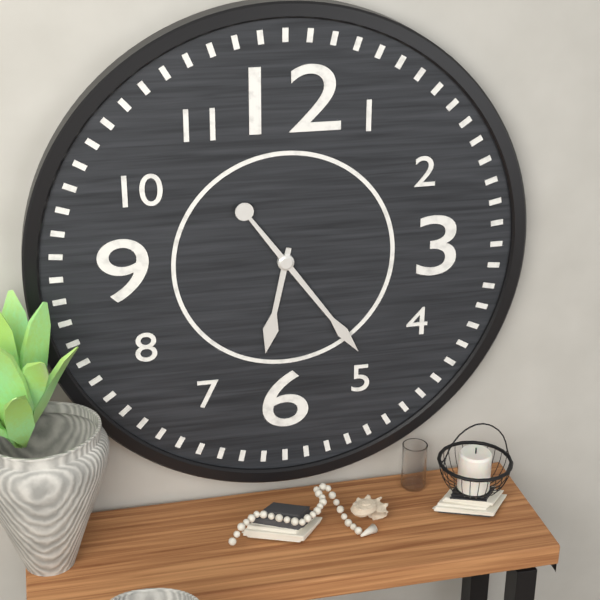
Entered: **6:24**
